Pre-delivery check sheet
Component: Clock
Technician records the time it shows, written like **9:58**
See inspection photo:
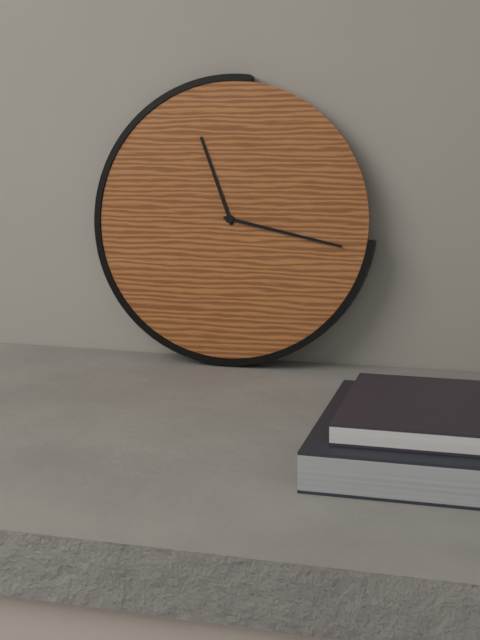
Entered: **11:17**
